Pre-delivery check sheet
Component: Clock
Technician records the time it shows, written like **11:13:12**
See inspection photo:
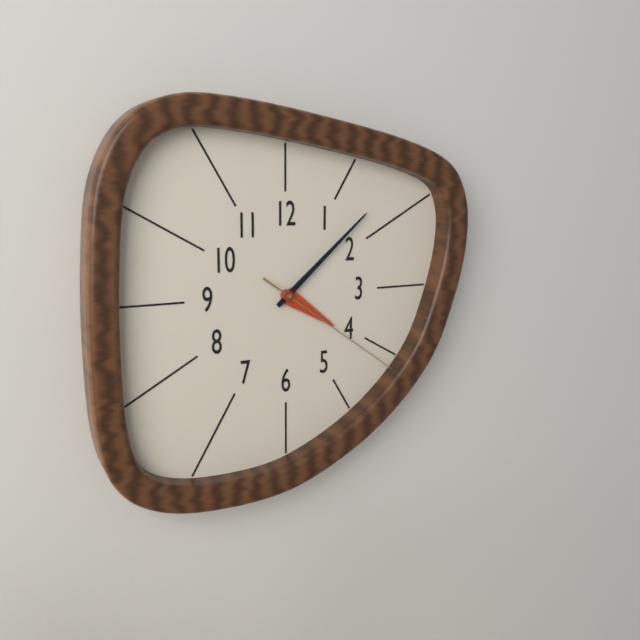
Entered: **4:08:21**
